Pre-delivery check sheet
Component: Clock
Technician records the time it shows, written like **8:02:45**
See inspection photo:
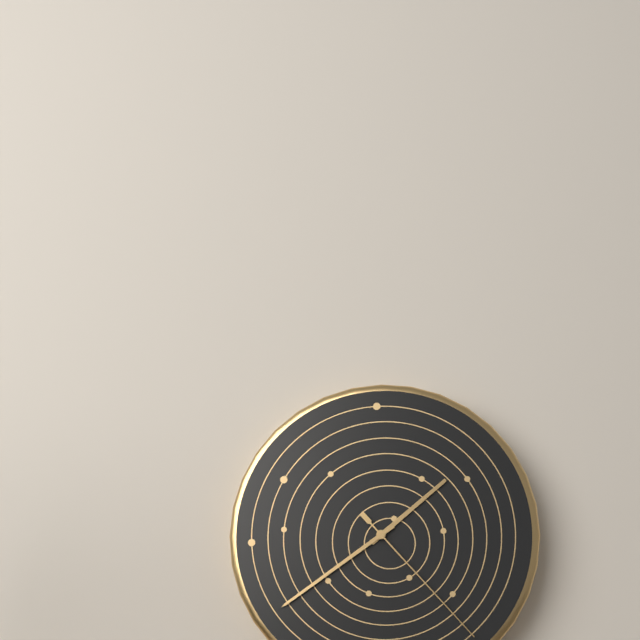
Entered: **1:39:23**
